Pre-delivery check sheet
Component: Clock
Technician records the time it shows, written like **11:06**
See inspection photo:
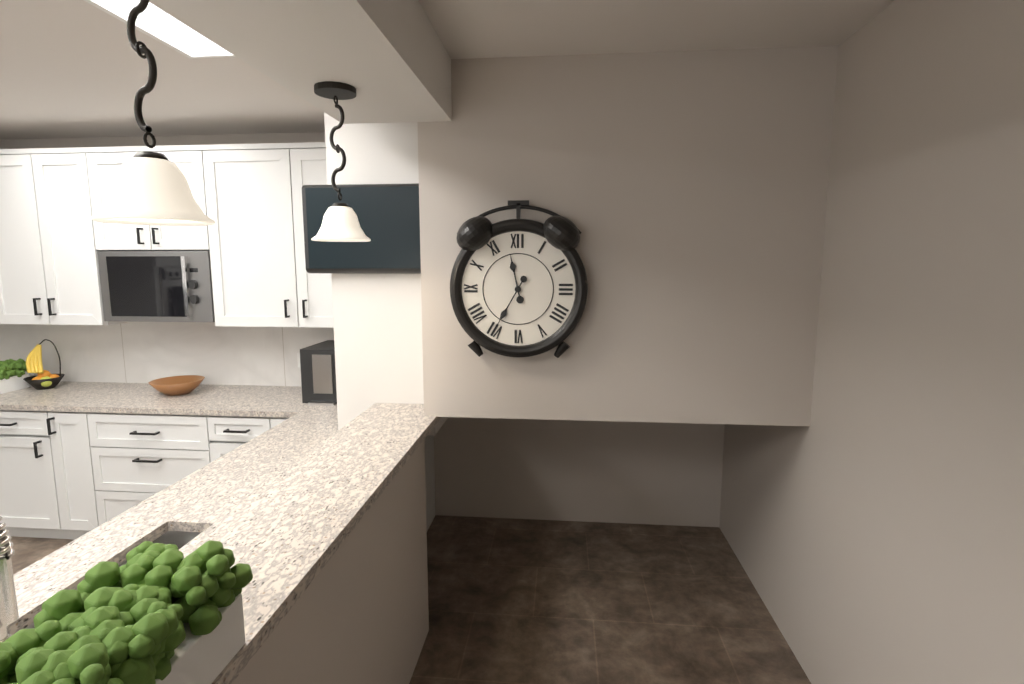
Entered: **11:35**
